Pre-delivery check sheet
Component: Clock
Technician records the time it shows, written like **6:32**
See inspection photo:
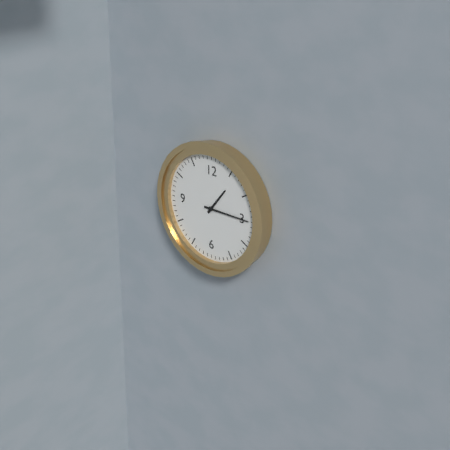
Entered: **1:15**
